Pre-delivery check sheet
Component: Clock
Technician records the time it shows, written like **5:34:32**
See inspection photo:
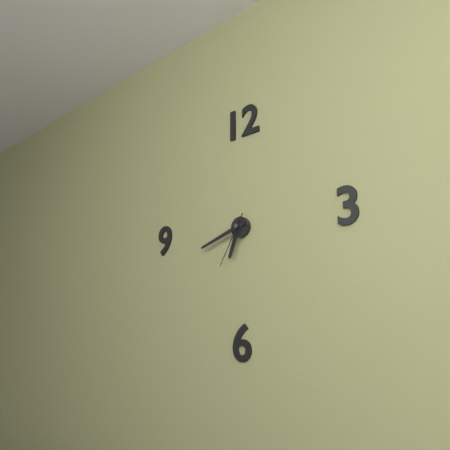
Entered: **6:42:35**
